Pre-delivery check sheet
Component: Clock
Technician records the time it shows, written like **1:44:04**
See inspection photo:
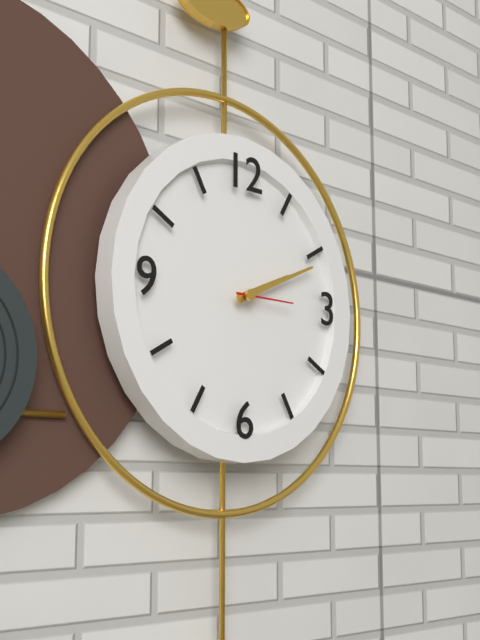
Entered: **2:11:15**
